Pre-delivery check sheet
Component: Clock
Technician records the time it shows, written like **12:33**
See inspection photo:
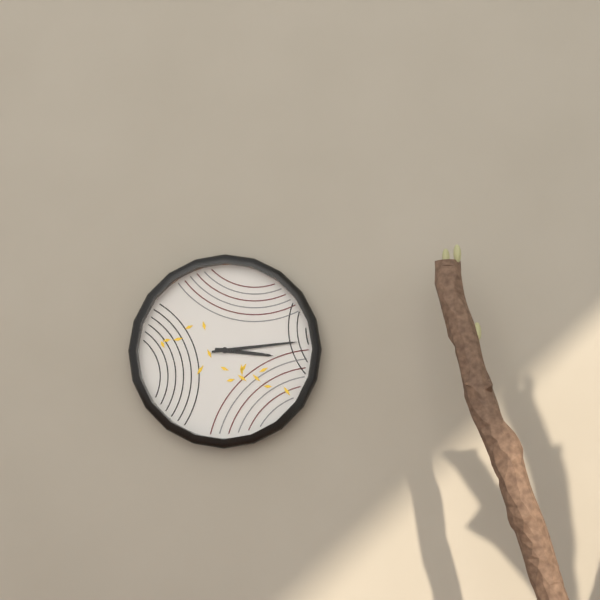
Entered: **3:14**
